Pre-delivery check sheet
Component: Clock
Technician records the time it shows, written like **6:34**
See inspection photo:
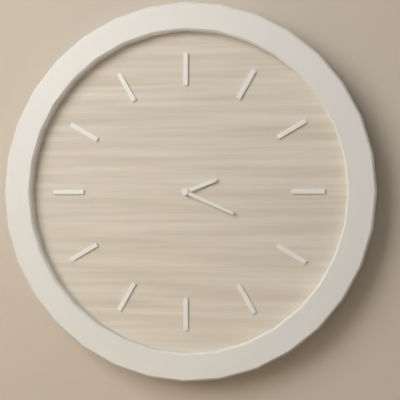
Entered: **2:19**
